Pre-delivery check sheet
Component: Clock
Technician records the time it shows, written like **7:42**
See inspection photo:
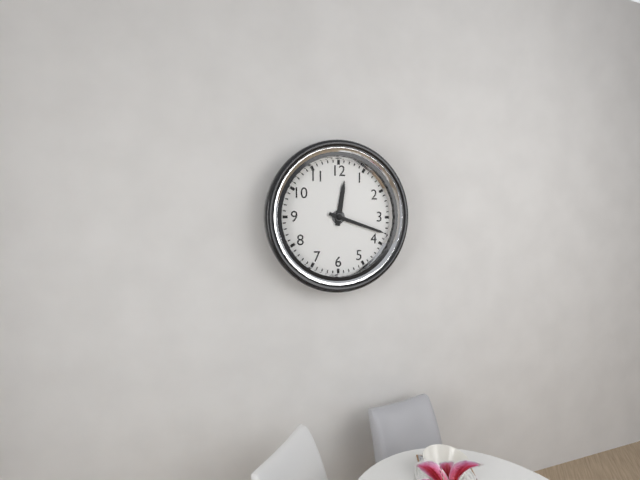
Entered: **12:18**
